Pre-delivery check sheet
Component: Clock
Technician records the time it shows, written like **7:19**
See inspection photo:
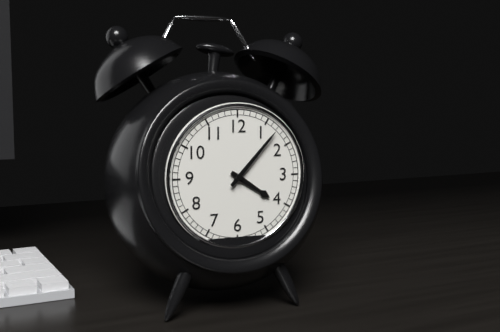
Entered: **4:07**
